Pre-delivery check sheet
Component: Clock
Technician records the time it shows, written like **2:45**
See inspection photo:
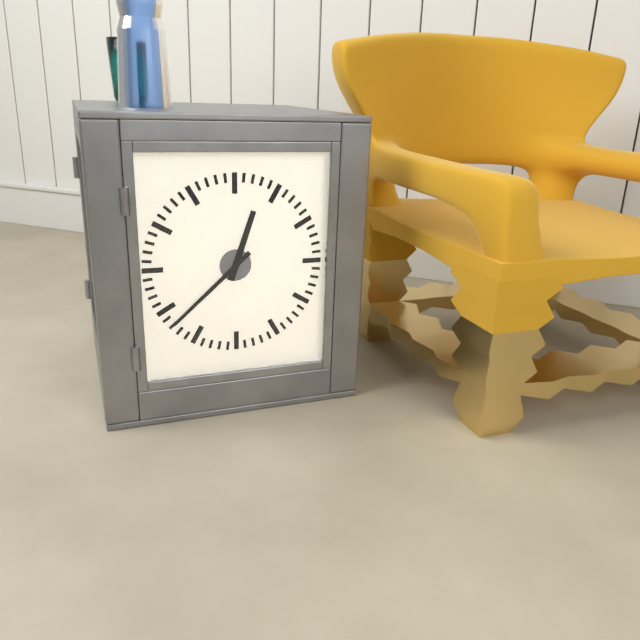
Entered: **12:38**
